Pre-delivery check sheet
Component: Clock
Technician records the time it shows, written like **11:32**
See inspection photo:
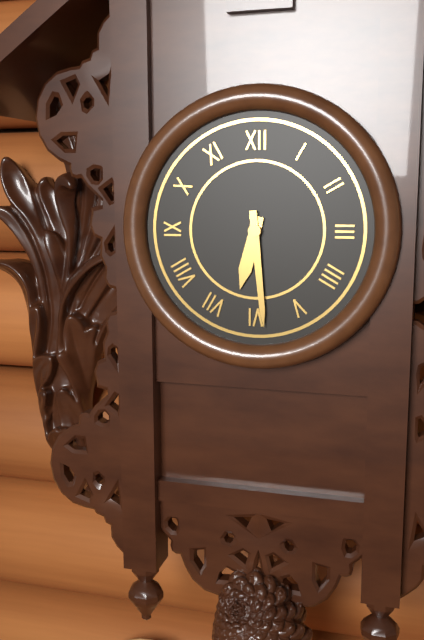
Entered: **6:29**
